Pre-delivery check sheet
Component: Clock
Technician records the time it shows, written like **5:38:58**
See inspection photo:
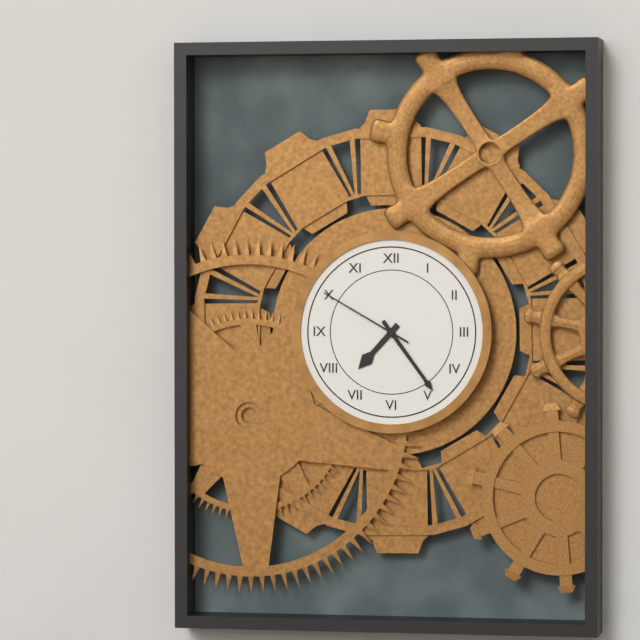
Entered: **7:24:50**
